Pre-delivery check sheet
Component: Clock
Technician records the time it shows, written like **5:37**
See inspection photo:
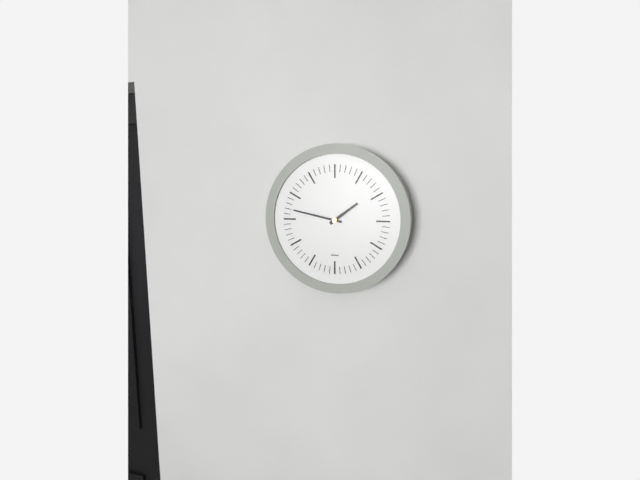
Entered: **1:47**
